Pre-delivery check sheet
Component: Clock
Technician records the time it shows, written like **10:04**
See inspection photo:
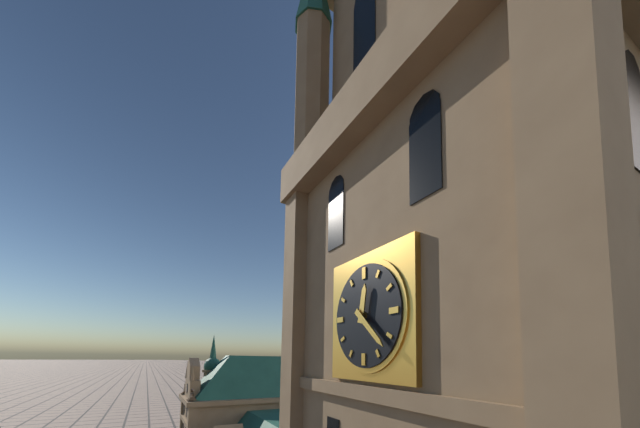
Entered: **12:22**
